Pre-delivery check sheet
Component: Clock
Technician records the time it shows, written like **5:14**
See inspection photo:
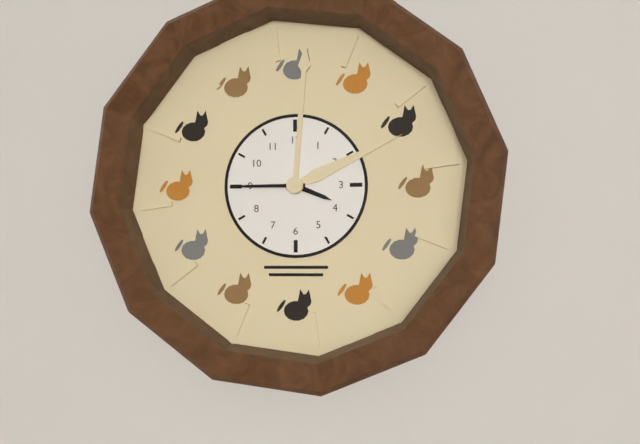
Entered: **3:45**
